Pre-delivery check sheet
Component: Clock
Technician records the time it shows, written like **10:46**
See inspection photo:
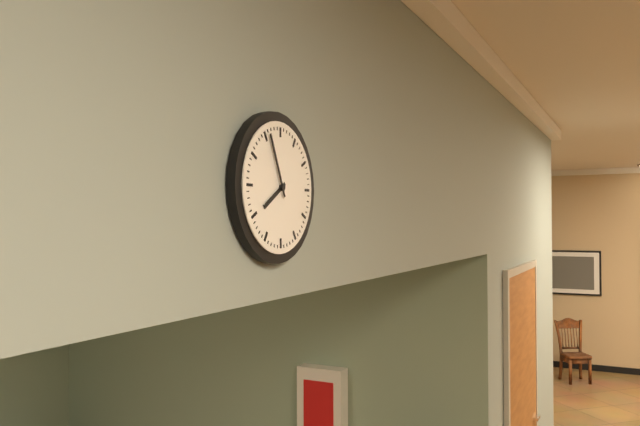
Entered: **7:56**
